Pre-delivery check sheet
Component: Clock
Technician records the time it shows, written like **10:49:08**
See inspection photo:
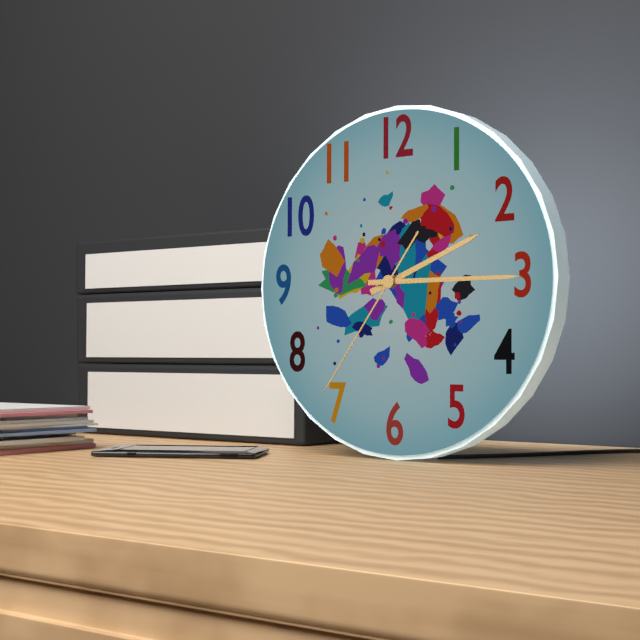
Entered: **2:15:36**
